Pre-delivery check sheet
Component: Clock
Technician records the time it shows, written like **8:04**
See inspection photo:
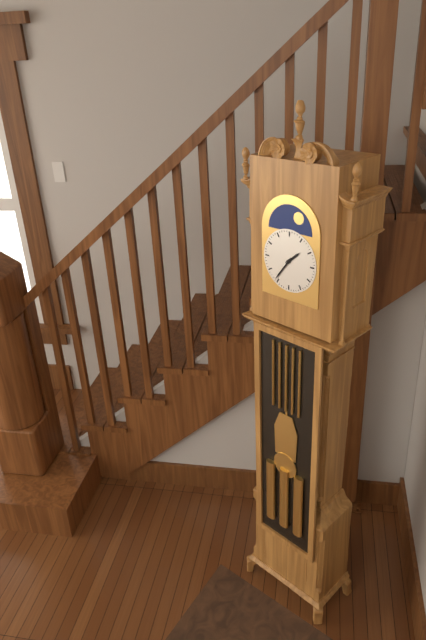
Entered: **1:36**
